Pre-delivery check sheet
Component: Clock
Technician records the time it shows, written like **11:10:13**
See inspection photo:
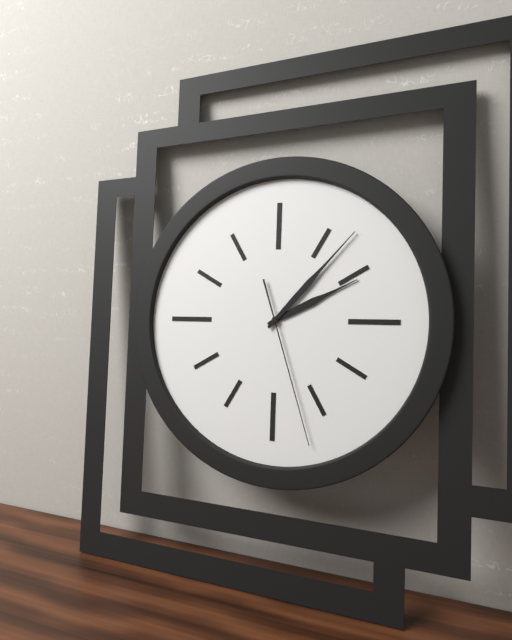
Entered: **2:07:27**
